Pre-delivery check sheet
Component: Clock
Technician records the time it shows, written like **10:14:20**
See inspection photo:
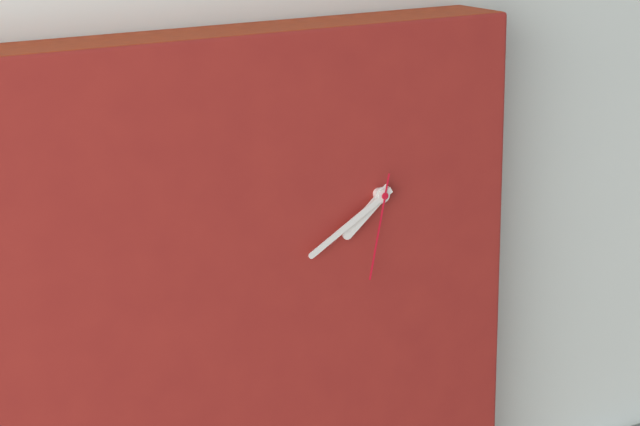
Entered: **7:40:32**
